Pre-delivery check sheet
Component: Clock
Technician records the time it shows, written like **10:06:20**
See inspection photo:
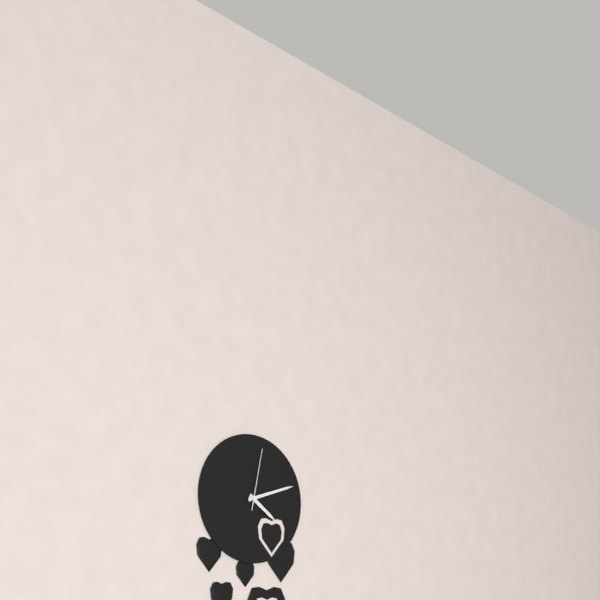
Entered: **4:12:02**
